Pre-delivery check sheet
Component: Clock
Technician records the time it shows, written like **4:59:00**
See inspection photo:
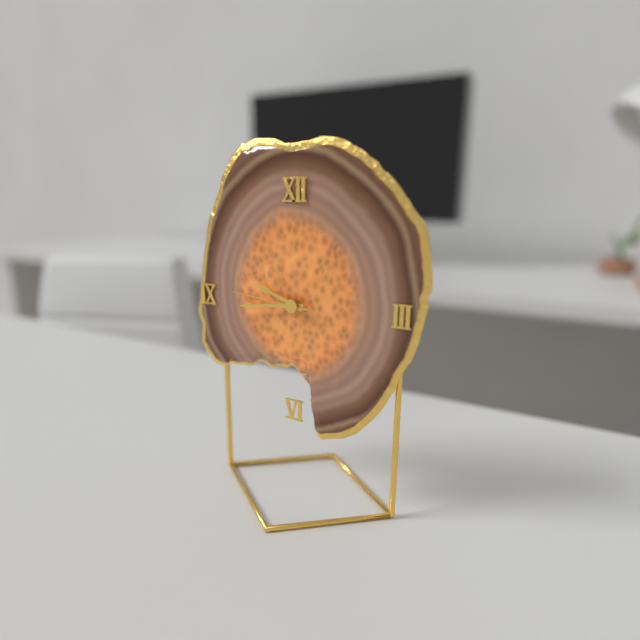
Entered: **9:44:46**
